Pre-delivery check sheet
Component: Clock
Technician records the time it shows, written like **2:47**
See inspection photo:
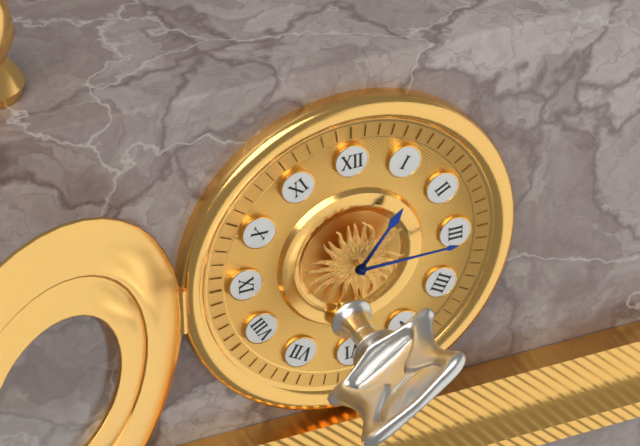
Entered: **1:15**
